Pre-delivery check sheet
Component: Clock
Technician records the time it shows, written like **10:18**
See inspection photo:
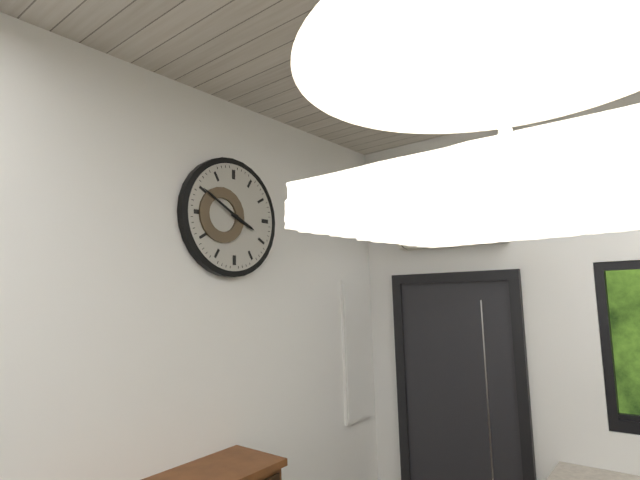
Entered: **3:50**
